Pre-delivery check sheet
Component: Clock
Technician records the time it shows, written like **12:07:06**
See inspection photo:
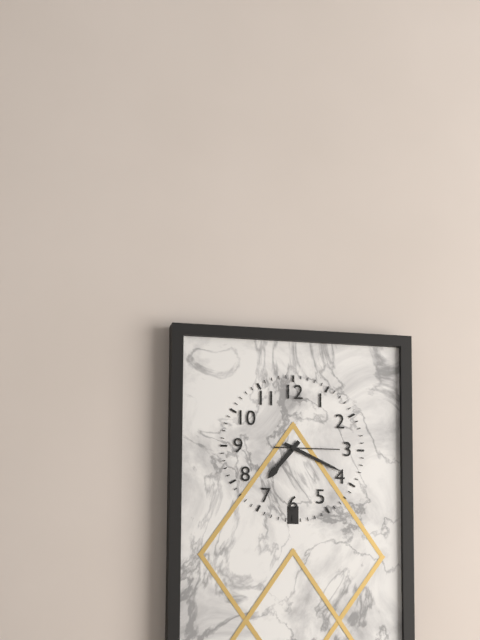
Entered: **7:19:15**
